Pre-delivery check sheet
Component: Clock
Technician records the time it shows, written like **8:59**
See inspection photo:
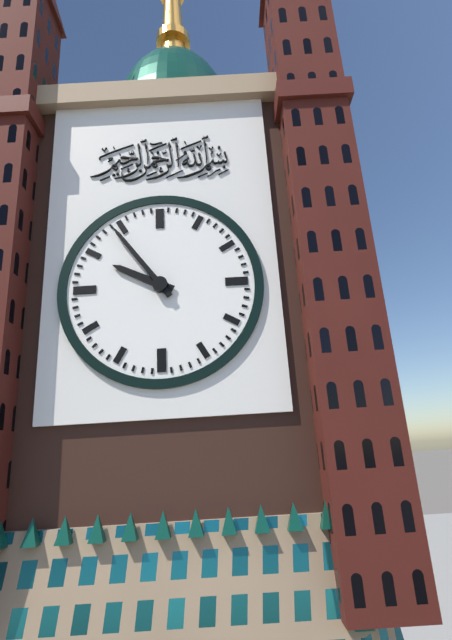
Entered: **9:54**
